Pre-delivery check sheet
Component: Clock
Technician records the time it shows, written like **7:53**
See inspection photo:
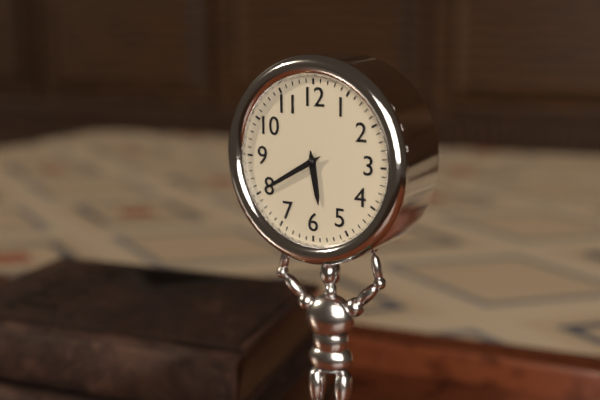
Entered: **5:40**
